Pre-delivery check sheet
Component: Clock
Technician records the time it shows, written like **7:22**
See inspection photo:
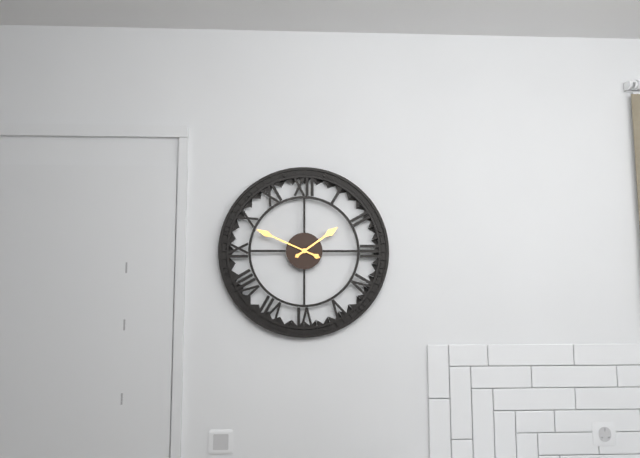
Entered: **1:49**
